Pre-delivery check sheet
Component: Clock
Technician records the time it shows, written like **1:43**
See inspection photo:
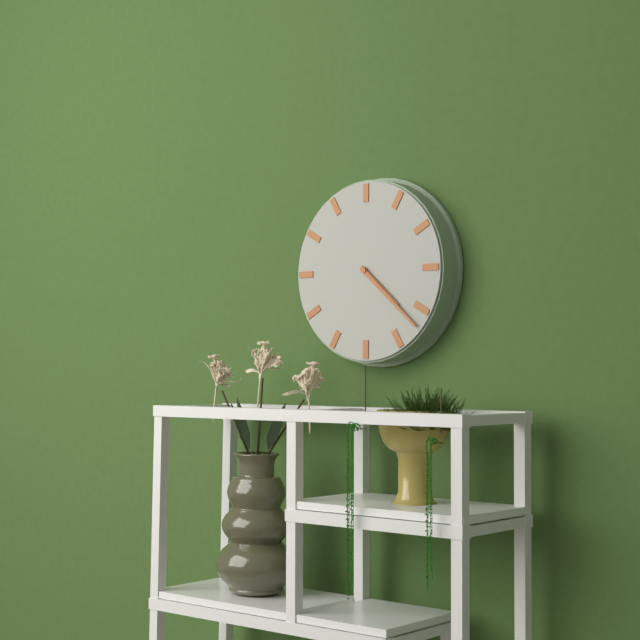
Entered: **4:22**
